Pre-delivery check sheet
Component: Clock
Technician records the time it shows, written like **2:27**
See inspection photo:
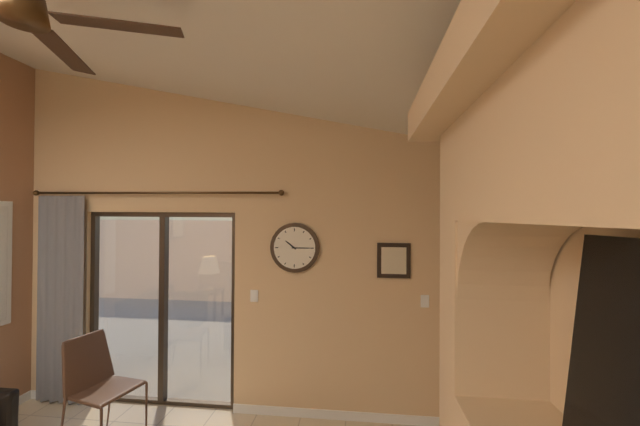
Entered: **10:15**
